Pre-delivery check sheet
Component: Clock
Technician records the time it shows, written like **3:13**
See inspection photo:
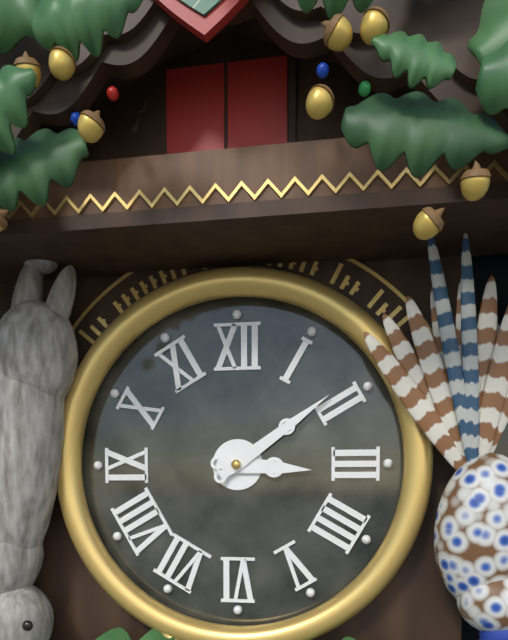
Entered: **3:09**
